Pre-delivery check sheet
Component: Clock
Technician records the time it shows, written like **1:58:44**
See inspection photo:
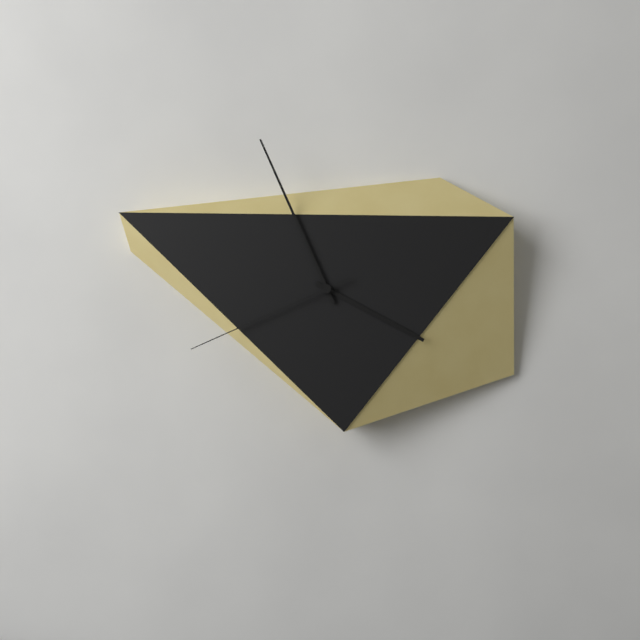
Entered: **3:56:41**
